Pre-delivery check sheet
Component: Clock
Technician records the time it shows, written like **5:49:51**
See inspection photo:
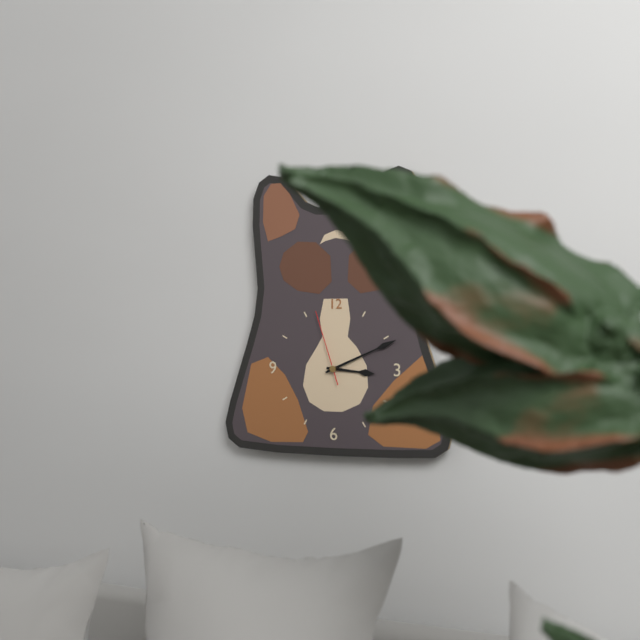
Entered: **3:11:57**
